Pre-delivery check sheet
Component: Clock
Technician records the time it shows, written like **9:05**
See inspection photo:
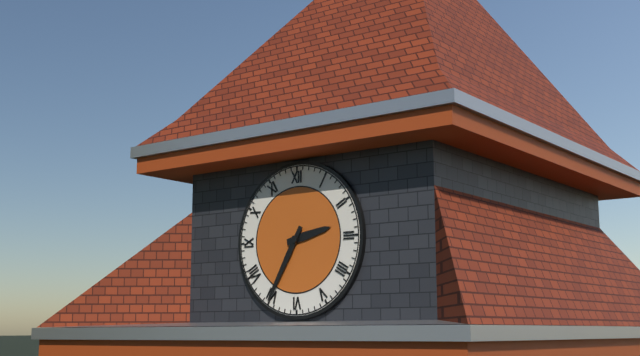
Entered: **2:35**
